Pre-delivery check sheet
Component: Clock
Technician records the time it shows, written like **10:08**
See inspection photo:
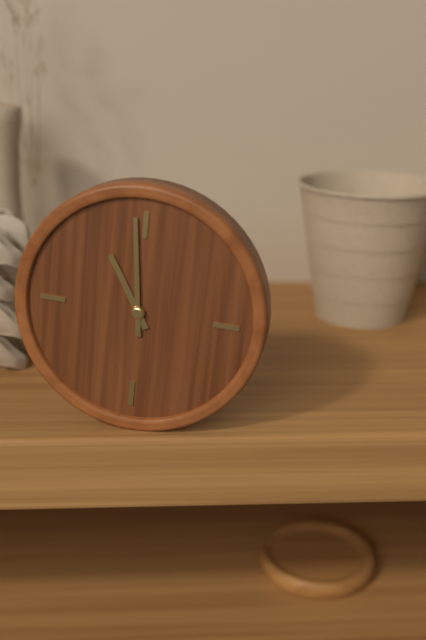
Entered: **10:59**
